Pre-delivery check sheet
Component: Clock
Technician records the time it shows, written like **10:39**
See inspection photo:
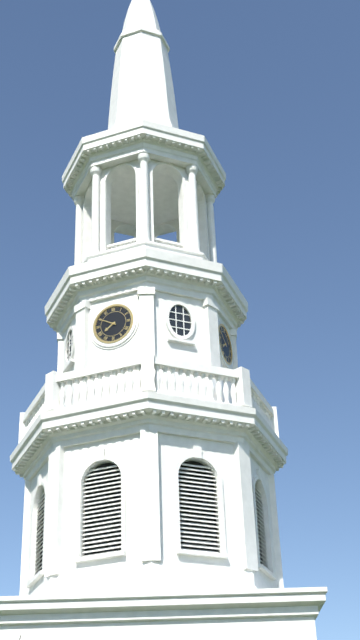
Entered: **7:50**
